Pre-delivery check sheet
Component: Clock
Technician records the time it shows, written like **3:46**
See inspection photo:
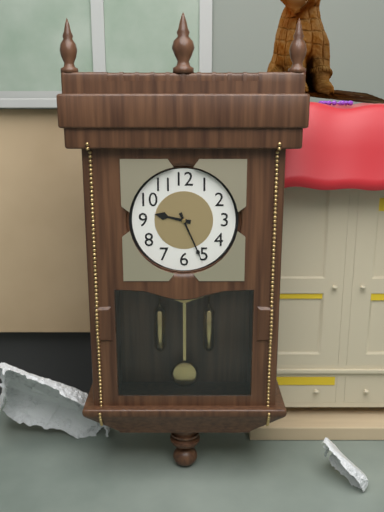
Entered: **9:26**
